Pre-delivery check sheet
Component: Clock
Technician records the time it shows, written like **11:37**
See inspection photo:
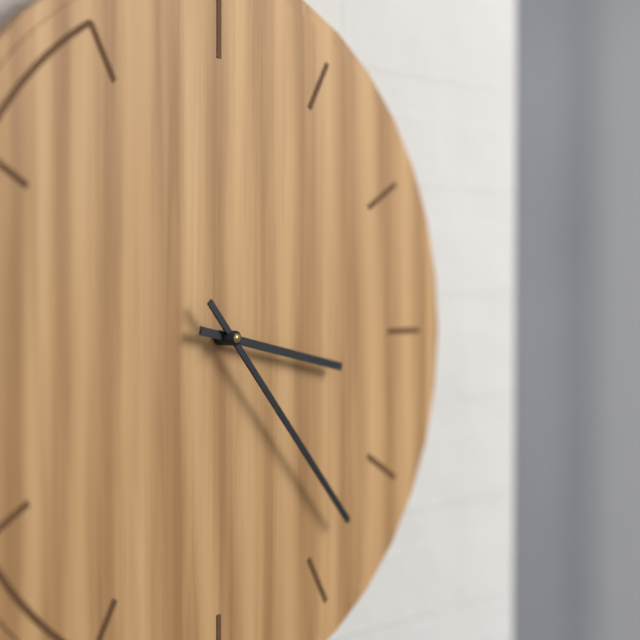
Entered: **3:23**
